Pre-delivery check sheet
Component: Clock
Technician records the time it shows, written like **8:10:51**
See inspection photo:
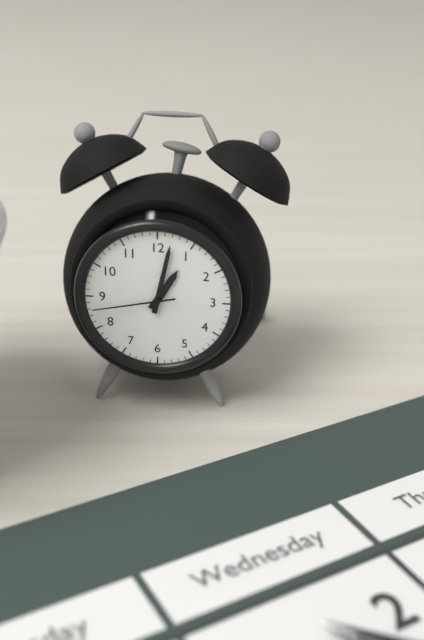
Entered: **1:02:43**
